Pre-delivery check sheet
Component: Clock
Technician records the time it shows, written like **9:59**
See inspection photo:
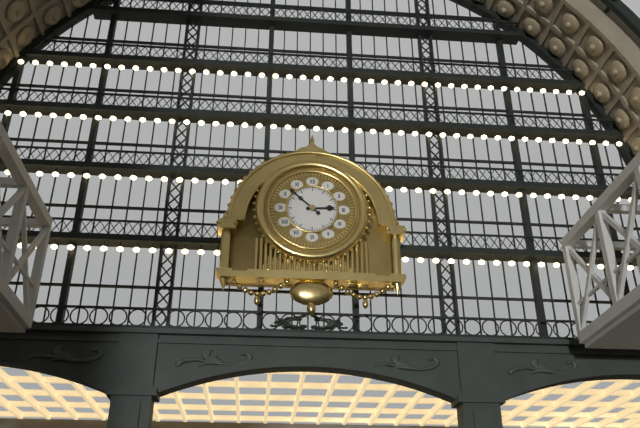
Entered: **2:52**
